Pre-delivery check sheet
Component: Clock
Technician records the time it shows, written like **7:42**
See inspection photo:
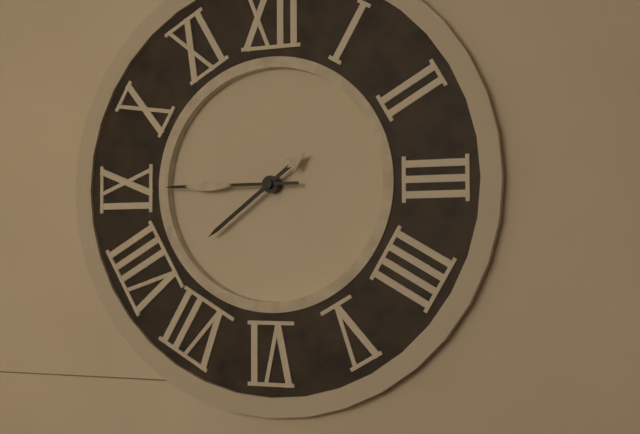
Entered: **7:45**
